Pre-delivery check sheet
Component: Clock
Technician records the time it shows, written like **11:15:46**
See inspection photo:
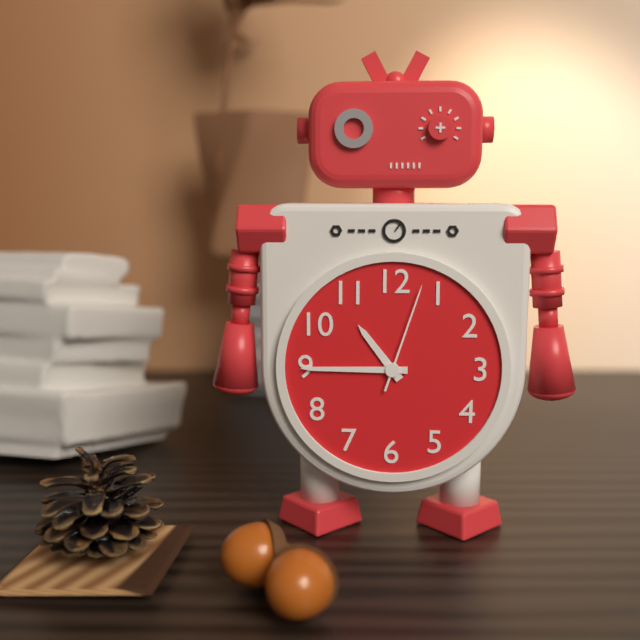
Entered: **10:45:03**
